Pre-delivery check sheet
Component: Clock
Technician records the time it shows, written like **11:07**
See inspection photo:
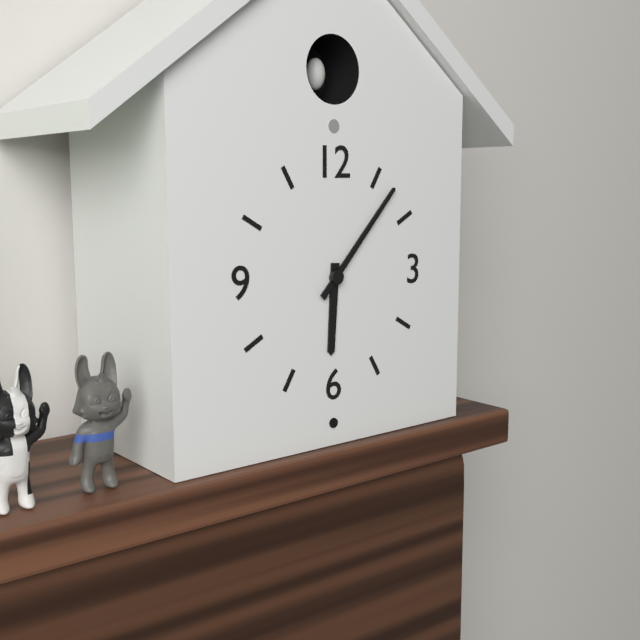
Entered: **6:07**
